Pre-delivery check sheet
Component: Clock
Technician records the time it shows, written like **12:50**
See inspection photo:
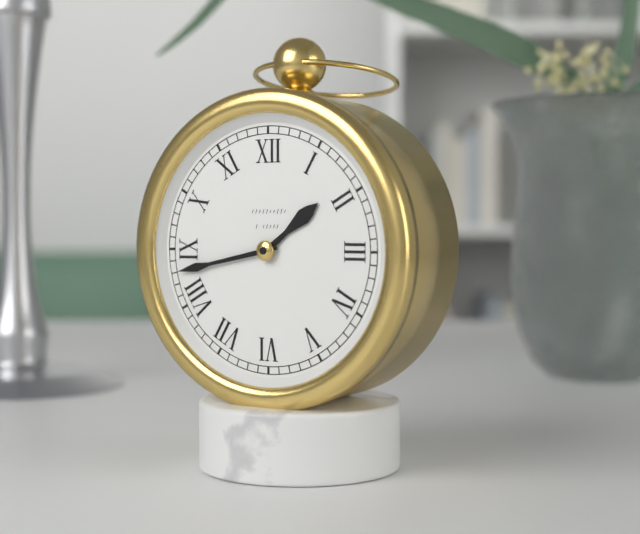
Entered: **1:43**
